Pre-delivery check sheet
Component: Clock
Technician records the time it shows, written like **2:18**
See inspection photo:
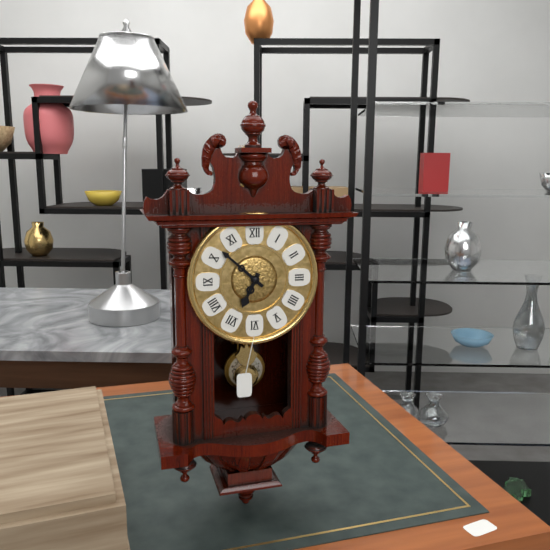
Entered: **6:52**
